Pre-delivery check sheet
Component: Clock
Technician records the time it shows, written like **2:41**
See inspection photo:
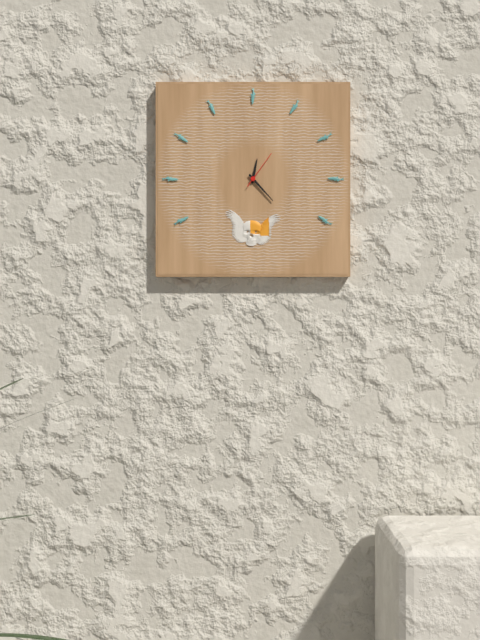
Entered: **12:23**
